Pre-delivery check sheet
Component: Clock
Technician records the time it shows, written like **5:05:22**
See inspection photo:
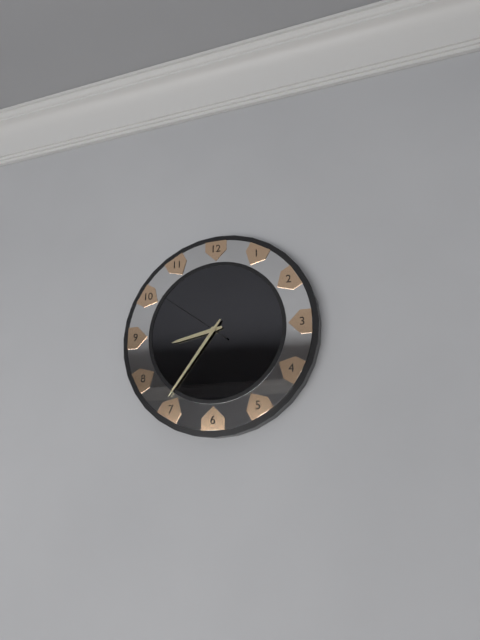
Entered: **8:36:51**
